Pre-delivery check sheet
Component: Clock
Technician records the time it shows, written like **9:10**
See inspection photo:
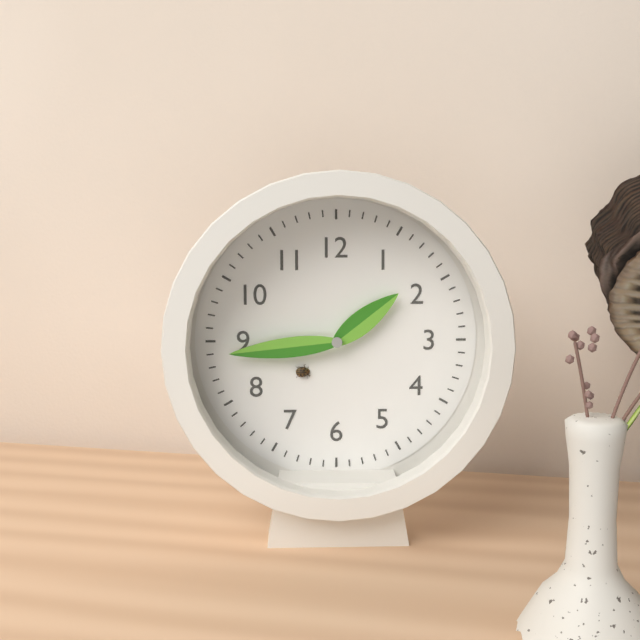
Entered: **1:44**
